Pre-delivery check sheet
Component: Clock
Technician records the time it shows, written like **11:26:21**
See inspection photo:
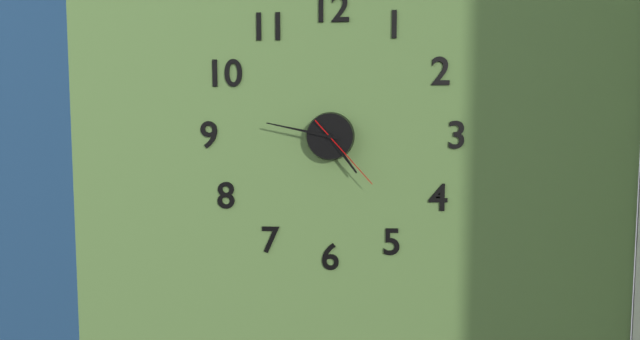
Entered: **4:47:23**
